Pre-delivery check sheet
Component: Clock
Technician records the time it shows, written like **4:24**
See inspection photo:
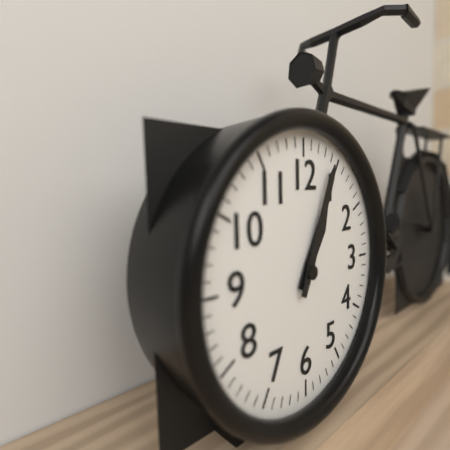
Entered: **1:04**
